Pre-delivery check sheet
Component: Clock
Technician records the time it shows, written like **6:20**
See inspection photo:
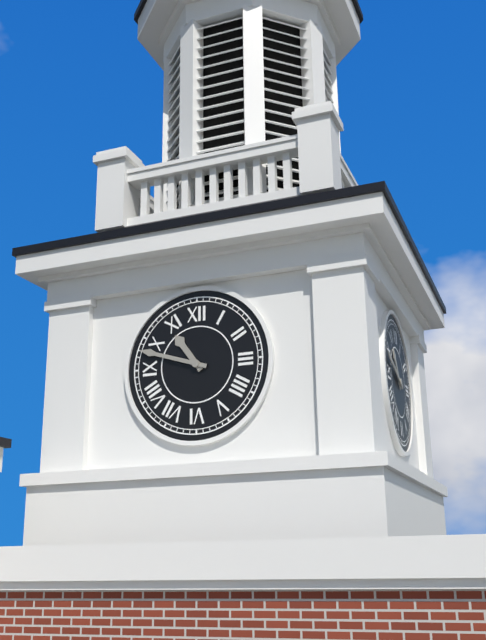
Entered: **10:48**
